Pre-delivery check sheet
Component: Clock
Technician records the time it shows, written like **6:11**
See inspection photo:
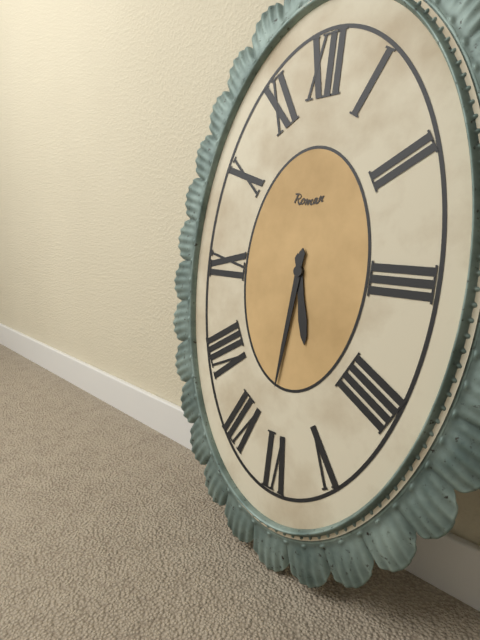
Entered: **5:31**
